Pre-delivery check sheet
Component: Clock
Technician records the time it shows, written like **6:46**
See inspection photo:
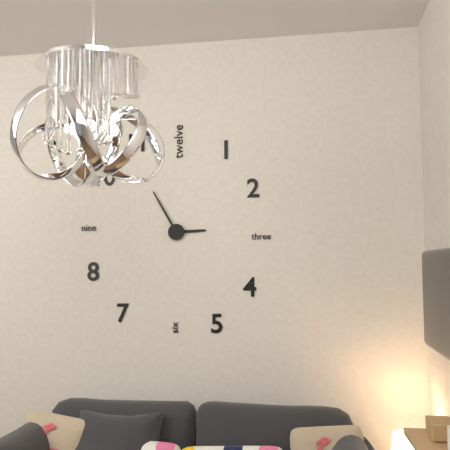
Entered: **2:55**
